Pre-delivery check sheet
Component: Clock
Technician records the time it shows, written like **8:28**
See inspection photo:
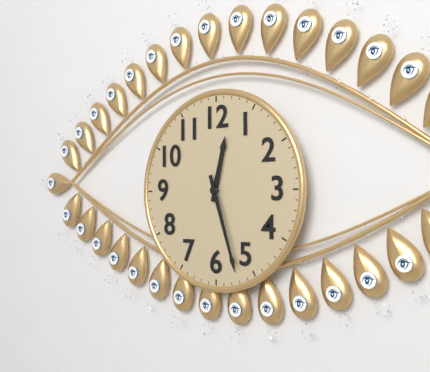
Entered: **12:27**
